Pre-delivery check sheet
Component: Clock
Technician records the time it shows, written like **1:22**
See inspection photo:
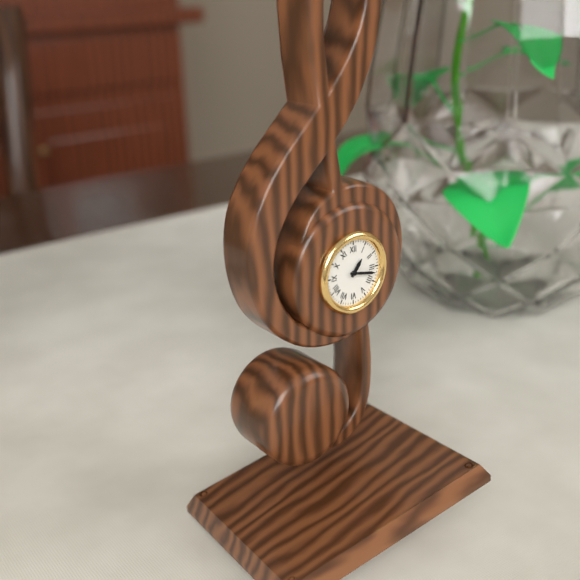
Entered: **1:17**
